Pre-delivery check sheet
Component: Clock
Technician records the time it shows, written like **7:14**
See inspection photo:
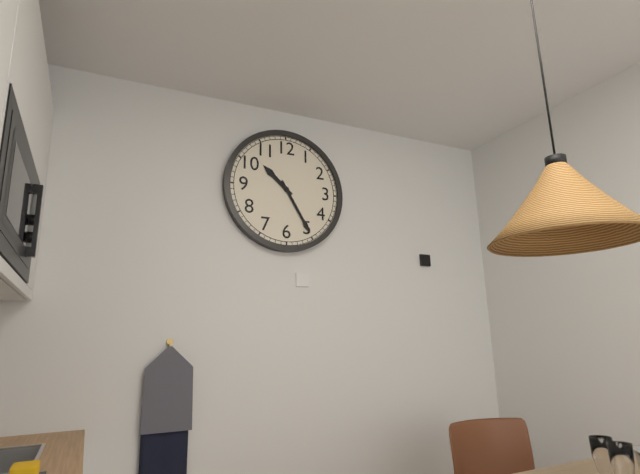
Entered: **10:25**
